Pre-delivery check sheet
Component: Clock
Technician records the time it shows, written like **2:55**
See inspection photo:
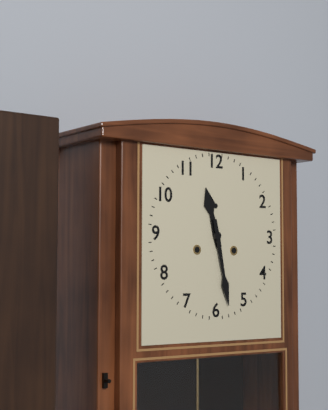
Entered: **11:28**
